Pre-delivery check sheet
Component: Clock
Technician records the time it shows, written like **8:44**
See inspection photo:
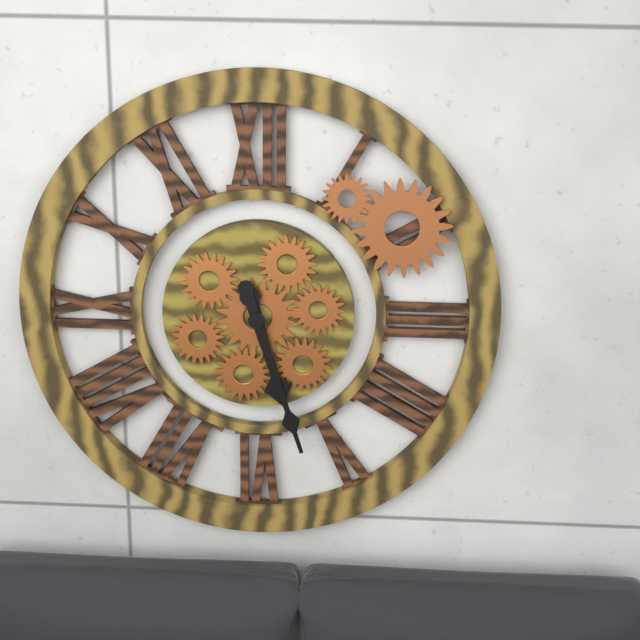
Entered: **5:27**
